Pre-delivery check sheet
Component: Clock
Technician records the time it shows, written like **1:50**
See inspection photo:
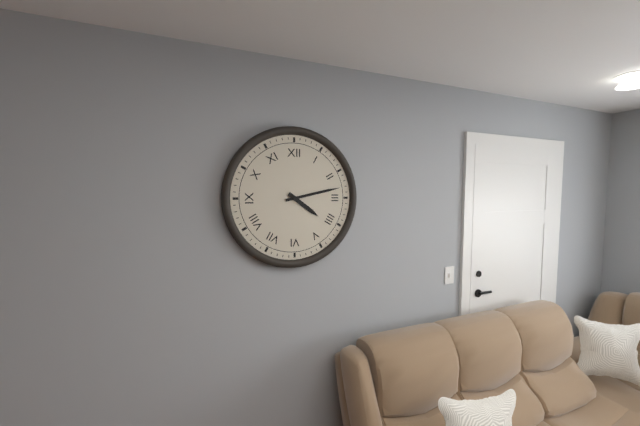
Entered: **4:13**
